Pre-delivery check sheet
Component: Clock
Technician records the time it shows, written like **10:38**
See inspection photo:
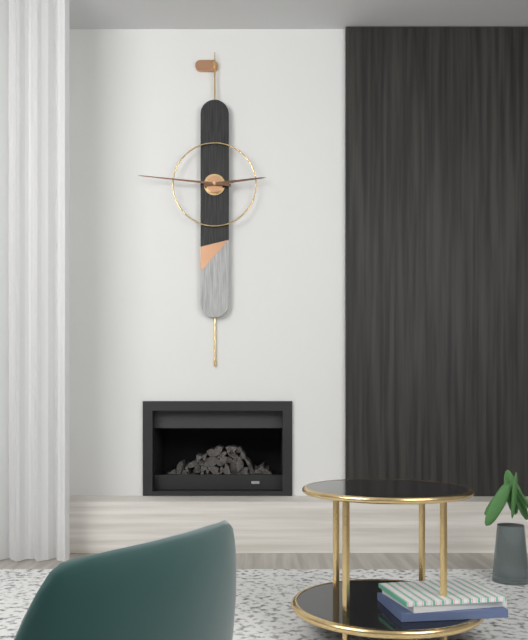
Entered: **2:46**
